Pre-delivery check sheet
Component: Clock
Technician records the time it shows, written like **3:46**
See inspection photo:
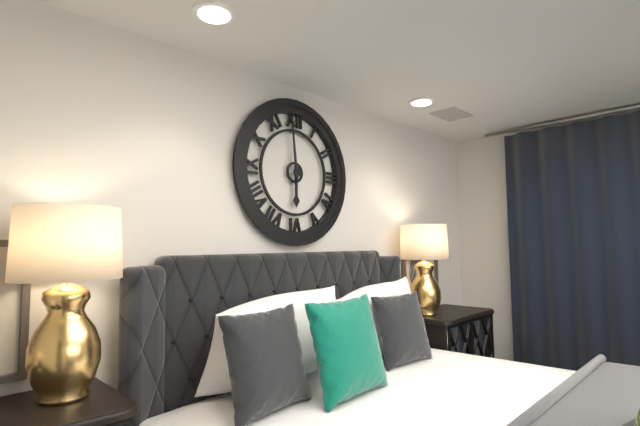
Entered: **5:59**
